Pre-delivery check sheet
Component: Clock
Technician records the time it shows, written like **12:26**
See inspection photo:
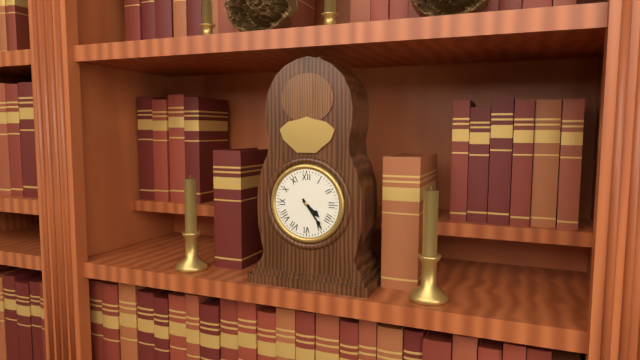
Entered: **4:24**
